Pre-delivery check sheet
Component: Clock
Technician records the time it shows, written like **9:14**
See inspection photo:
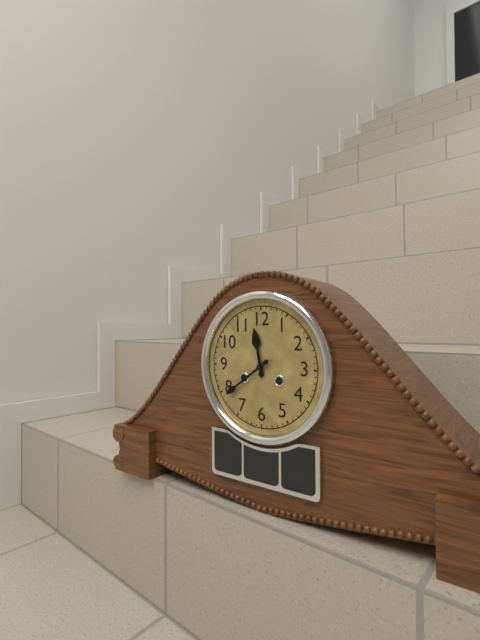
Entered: **11:39**
